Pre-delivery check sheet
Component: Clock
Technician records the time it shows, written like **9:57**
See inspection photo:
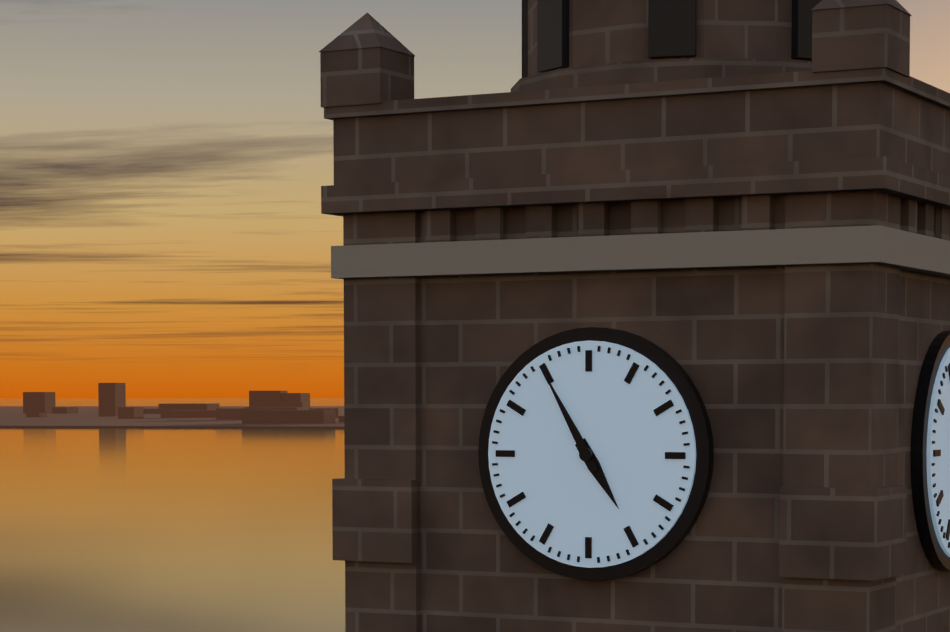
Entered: **4:55**
